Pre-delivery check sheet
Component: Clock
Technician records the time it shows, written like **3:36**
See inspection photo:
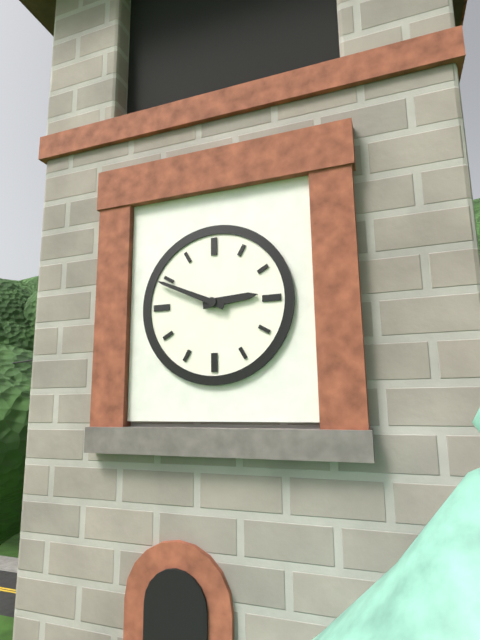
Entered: **2:49**
